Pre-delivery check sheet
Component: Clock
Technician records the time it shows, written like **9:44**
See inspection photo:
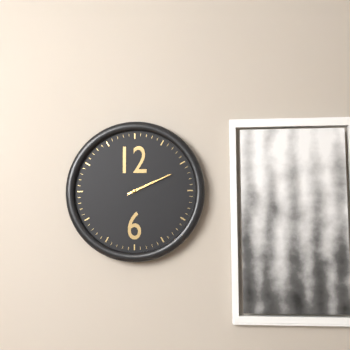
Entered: **2:11**
